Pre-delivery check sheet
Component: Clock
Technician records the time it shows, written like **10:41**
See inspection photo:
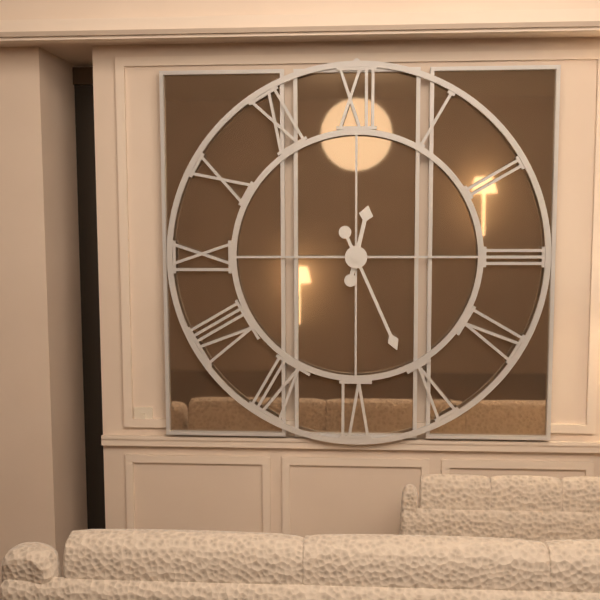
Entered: **12:26**
